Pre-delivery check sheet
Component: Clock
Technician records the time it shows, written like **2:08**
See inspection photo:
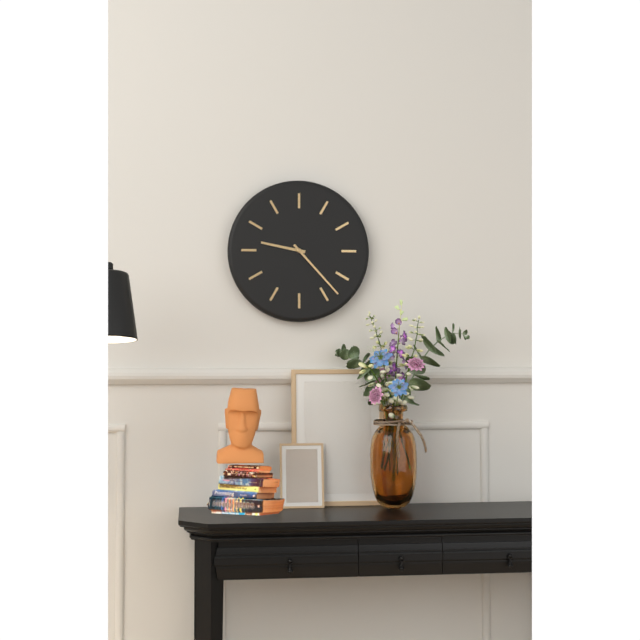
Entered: **9:23**
